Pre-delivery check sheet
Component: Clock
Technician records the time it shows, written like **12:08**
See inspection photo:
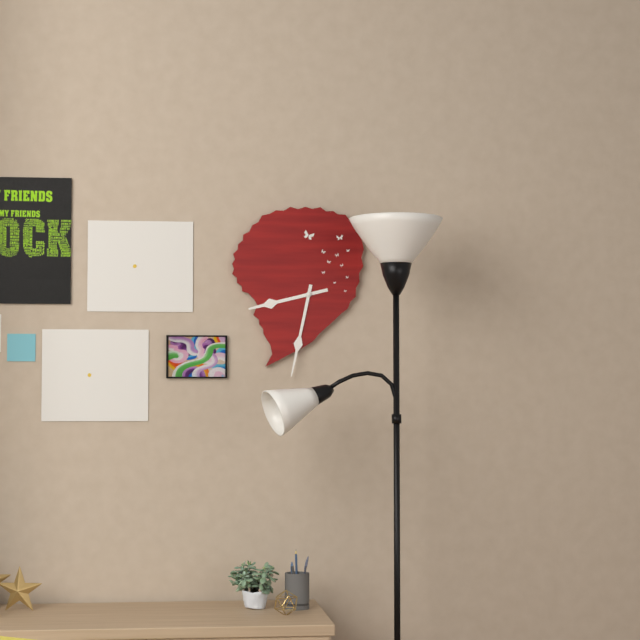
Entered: **8:32**
